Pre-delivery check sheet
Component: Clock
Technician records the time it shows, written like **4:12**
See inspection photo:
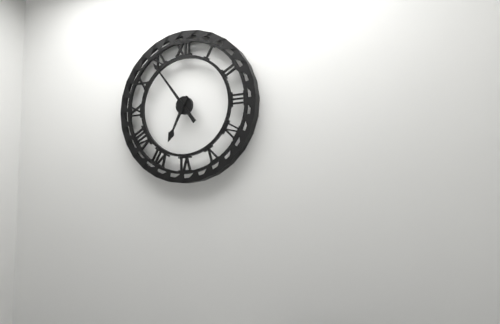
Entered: **6:54**
